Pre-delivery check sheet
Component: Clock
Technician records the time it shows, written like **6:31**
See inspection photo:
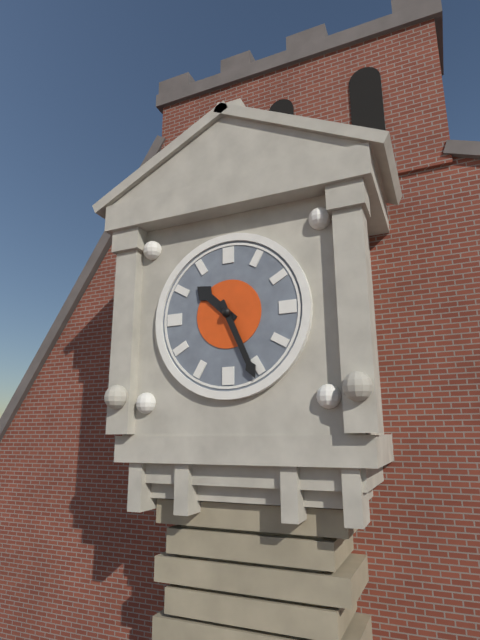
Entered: **10:26**
